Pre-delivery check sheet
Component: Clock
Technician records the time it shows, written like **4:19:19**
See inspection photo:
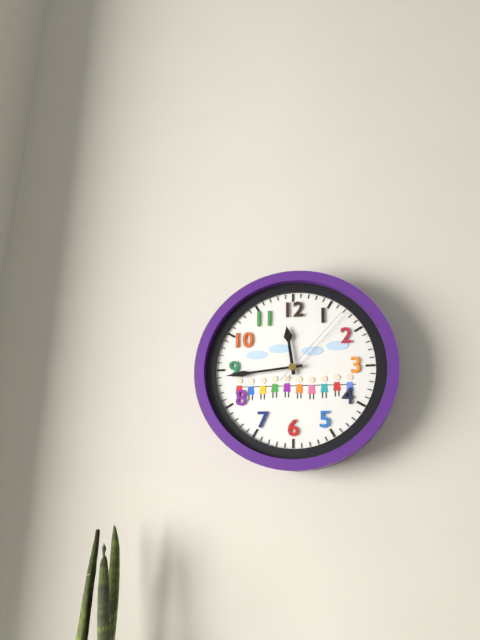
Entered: **11:44:07**
